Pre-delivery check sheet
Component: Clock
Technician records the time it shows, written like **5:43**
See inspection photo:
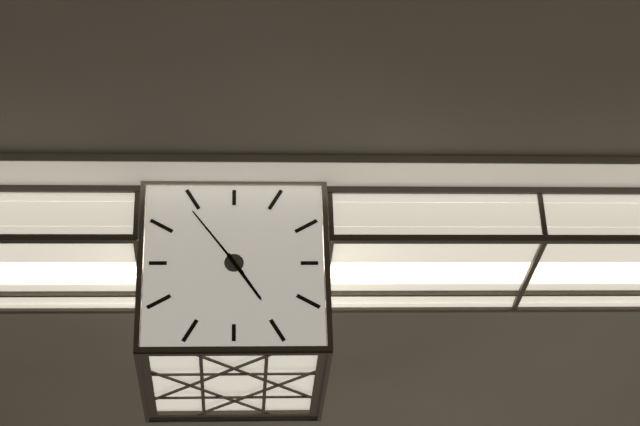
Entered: **4:54**
